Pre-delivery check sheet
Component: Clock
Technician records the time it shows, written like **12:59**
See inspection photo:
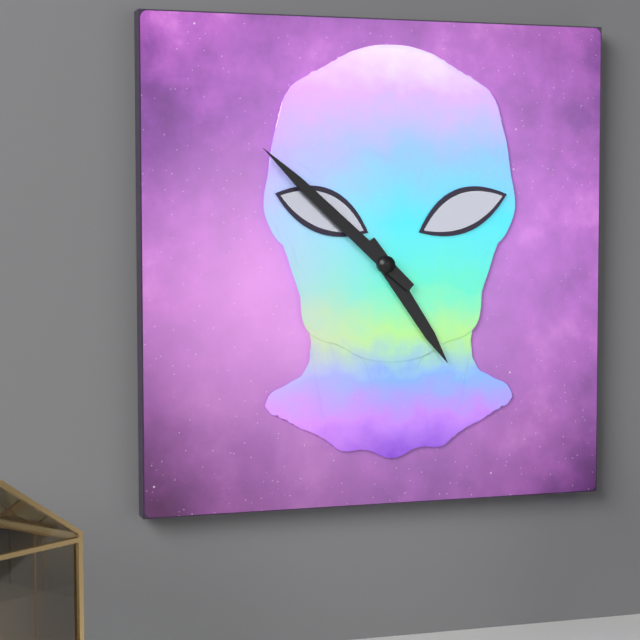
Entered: **4:52**
